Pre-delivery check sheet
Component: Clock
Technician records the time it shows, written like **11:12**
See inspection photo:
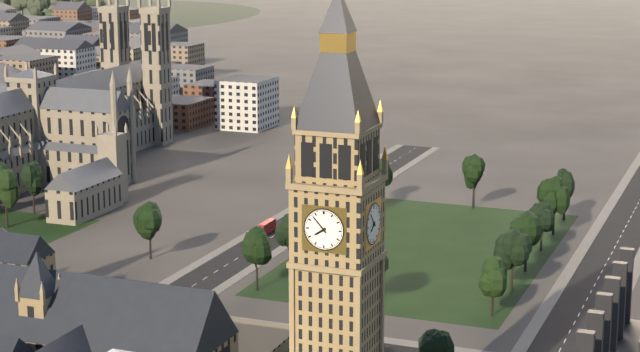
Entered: **7:53**
